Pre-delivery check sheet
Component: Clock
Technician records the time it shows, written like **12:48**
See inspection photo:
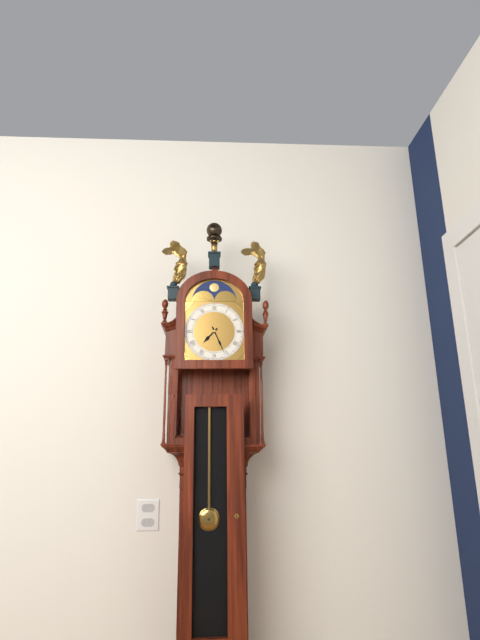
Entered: **7:26**
